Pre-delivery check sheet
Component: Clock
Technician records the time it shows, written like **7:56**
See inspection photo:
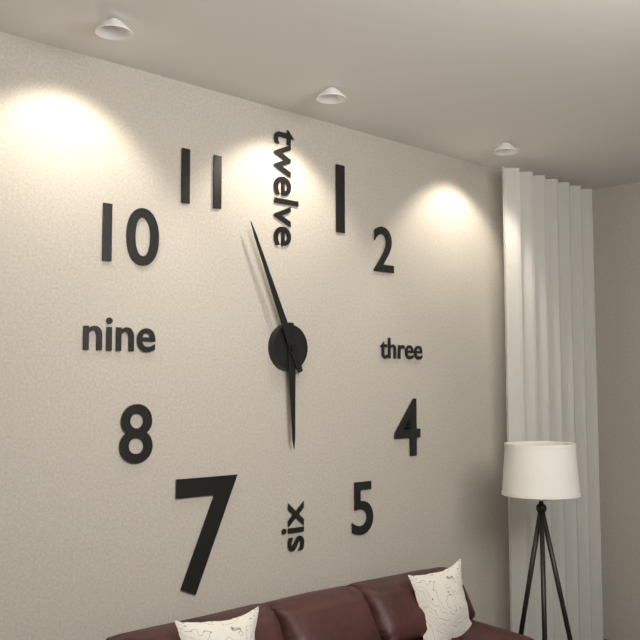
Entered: **5:56**
